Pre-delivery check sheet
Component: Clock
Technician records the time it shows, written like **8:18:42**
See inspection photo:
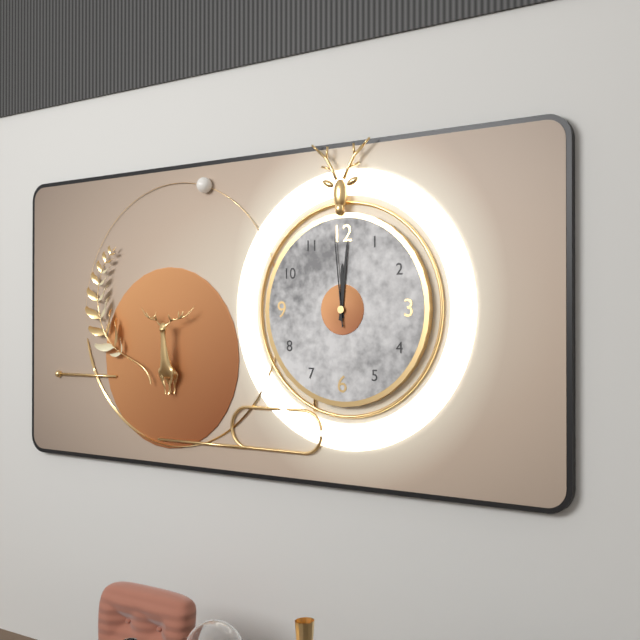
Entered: **12:01:59**
